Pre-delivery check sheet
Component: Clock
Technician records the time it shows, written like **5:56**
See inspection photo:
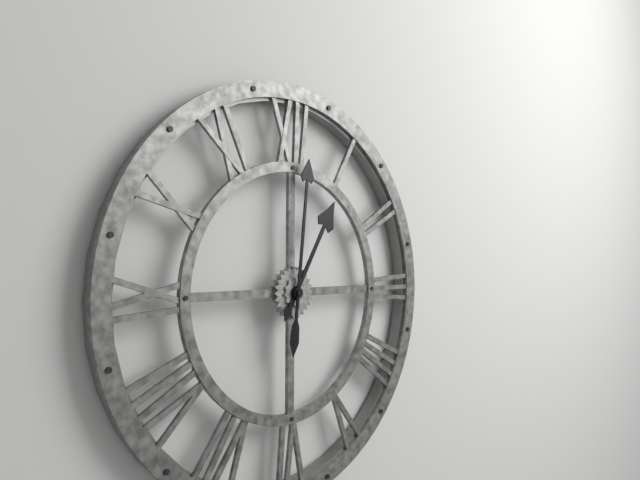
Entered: **1:01**
